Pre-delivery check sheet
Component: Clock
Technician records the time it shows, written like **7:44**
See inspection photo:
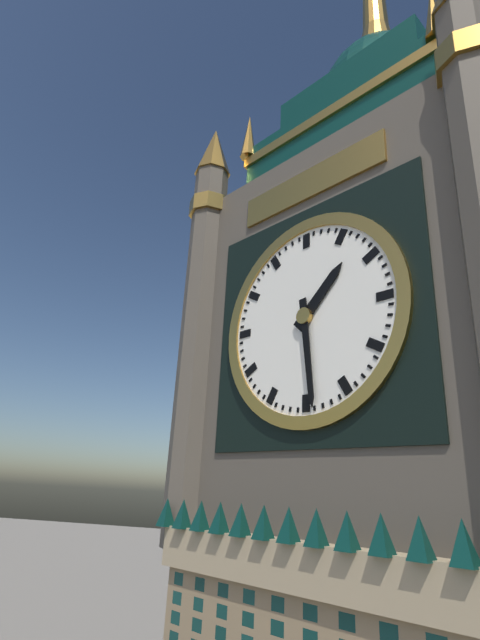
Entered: **1:29**
